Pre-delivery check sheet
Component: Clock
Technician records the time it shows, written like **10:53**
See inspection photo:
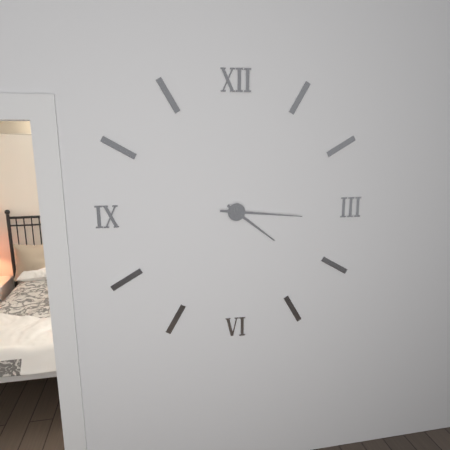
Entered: **4:16**
